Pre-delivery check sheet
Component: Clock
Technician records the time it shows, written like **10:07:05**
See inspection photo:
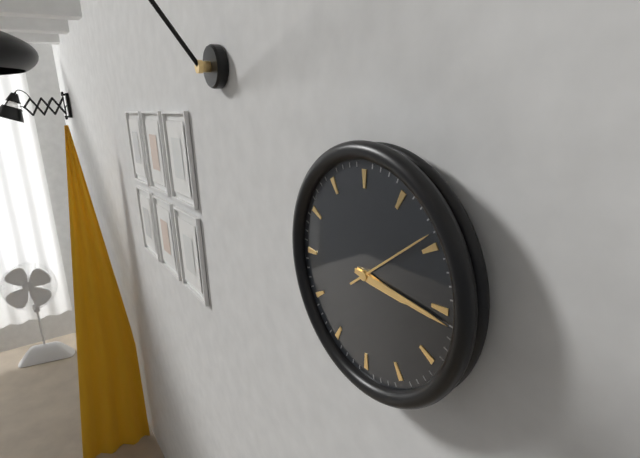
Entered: **3:16:09**
